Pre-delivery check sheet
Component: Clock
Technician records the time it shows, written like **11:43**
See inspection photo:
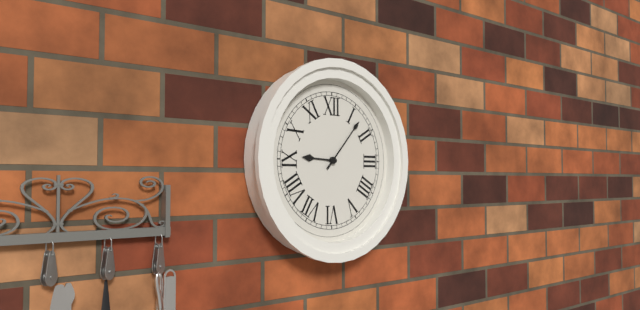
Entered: **9:07**
